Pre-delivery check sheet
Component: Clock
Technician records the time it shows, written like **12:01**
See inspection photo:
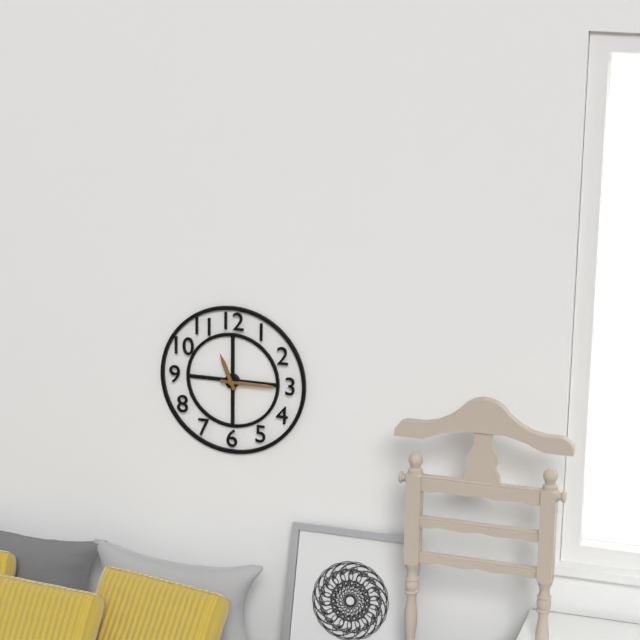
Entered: **11:15**
